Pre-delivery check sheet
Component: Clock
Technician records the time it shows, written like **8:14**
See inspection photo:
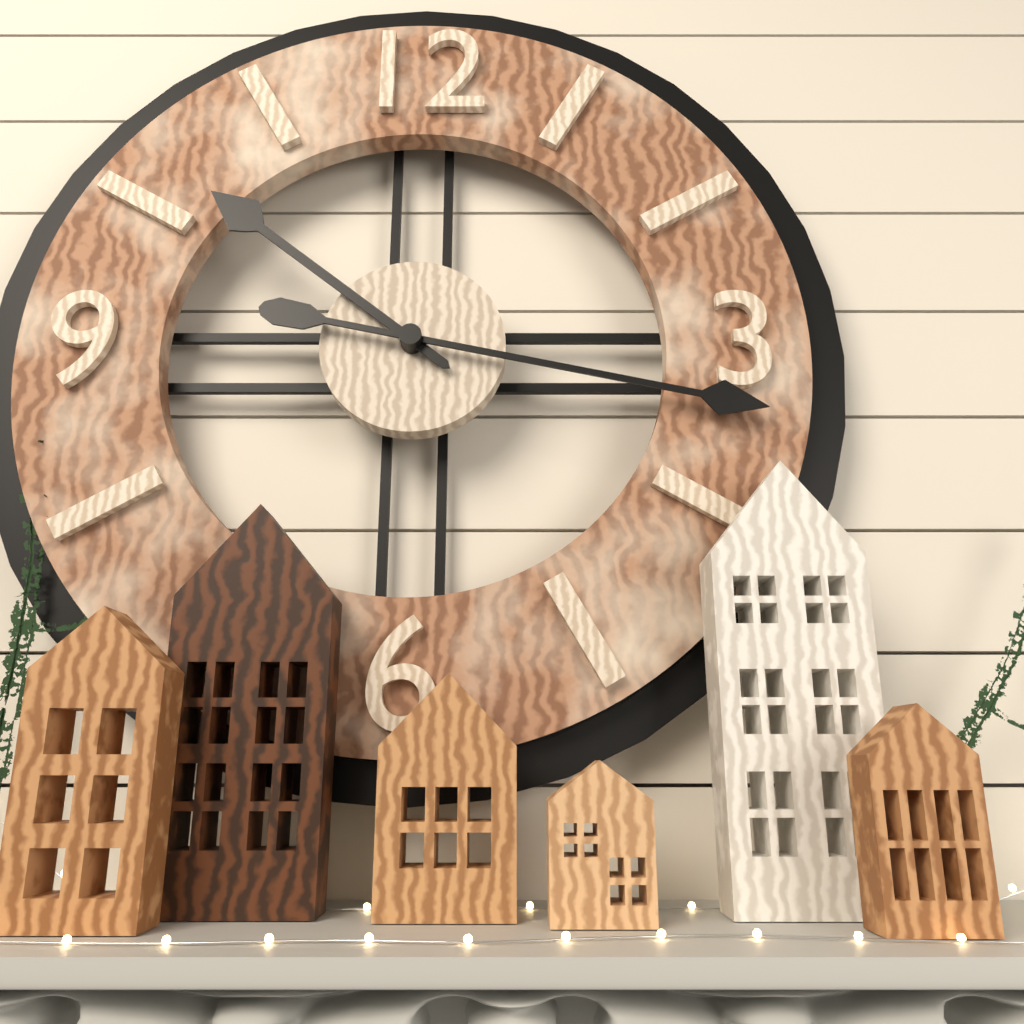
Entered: **10:17**
